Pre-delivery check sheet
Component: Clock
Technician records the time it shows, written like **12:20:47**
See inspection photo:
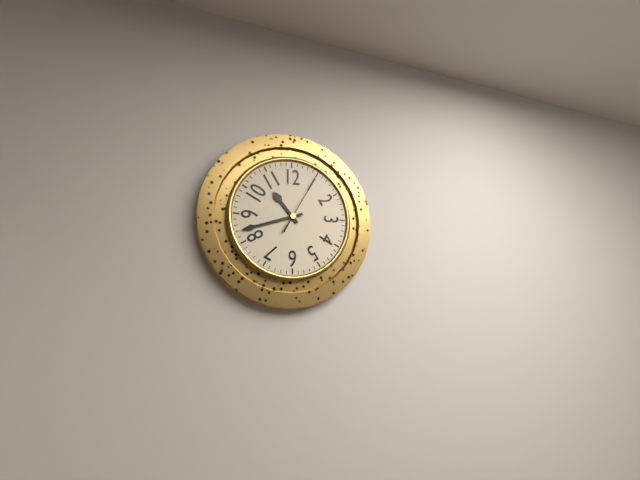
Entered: **10:42:05**
